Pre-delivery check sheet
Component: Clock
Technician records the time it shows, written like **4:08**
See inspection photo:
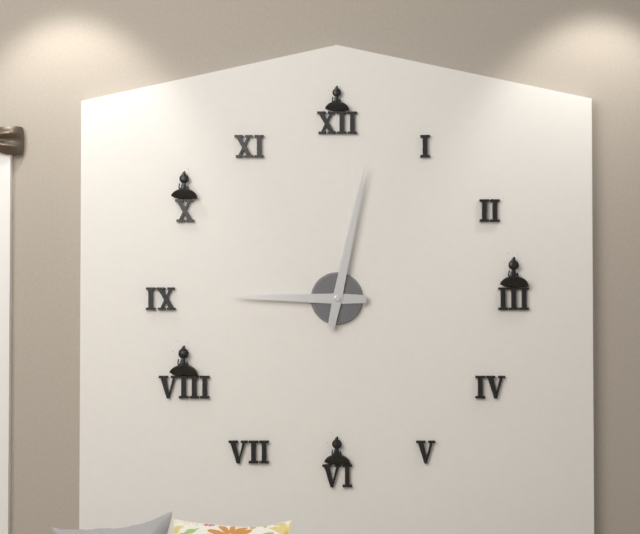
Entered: **9:02**
